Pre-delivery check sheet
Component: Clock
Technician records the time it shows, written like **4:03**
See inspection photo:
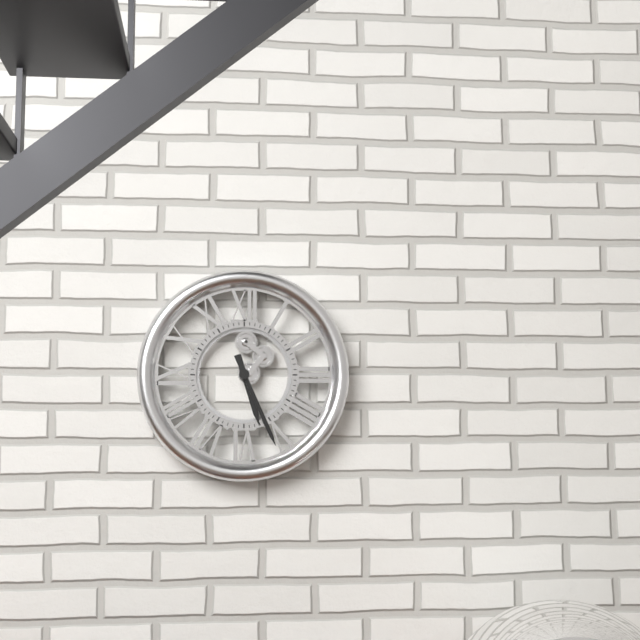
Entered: **5:26**
